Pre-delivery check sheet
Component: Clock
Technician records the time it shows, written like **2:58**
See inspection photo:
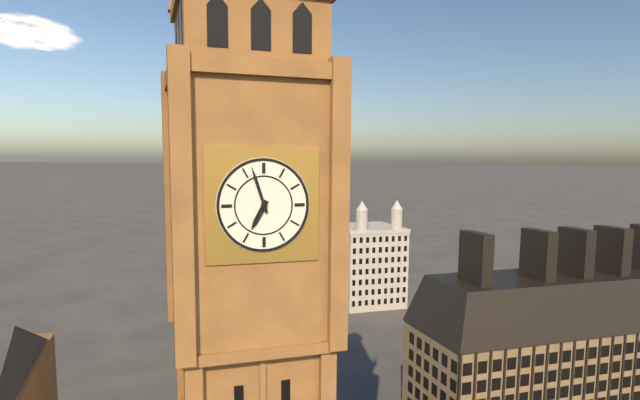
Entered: **6:57**
